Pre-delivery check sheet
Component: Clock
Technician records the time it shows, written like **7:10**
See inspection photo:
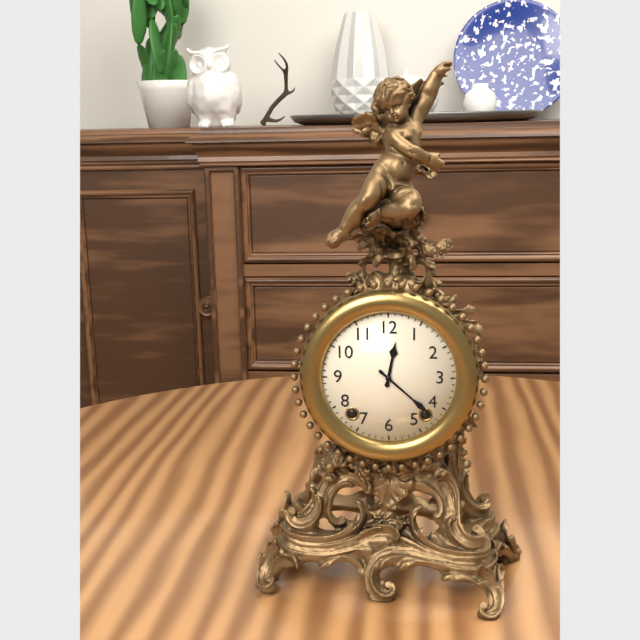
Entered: **12:22**
